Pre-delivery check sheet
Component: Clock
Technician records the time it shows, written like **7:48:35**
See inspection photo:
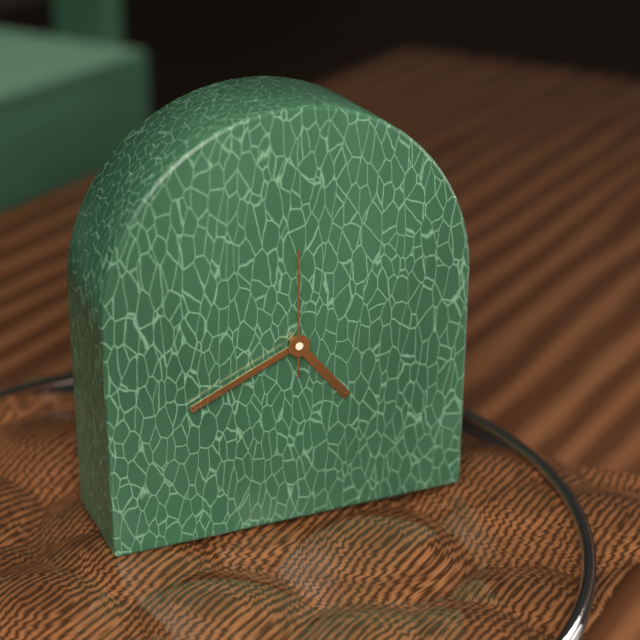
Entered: **4:41:00**
